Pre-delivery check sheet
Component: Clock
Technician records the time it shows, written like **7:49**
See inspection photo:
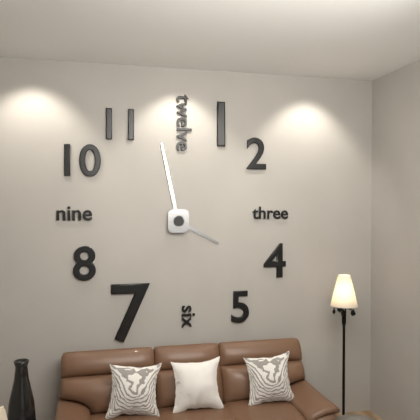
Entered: **3:58**
